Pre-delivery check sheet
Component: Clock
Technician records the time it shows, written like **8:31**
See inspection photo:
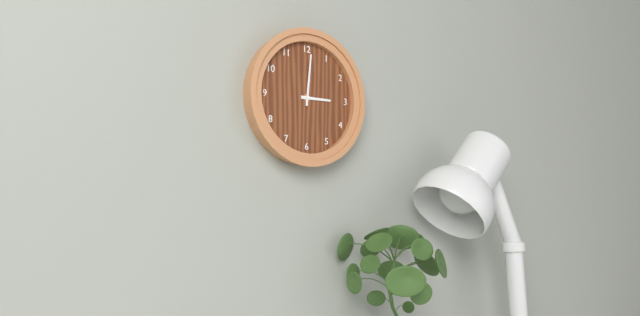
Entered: **3:01**
